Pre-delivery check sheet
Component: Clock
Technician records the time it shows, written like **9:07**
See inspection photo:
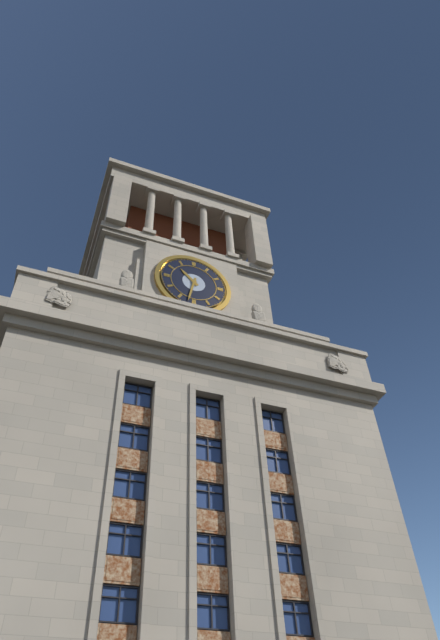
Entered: **10:32**
